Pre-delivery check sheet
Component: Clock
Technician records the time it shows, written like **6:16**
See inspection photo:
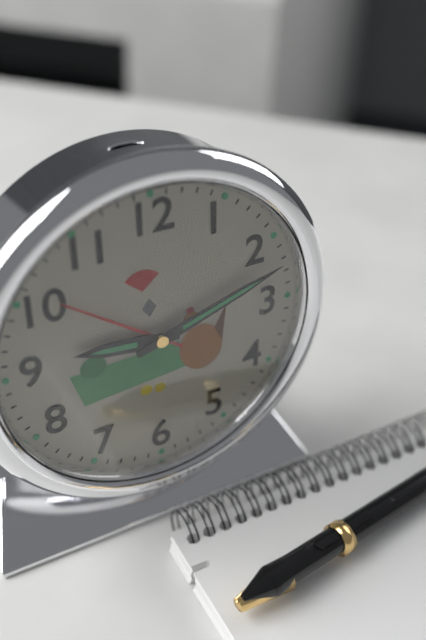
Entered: **9:12**
